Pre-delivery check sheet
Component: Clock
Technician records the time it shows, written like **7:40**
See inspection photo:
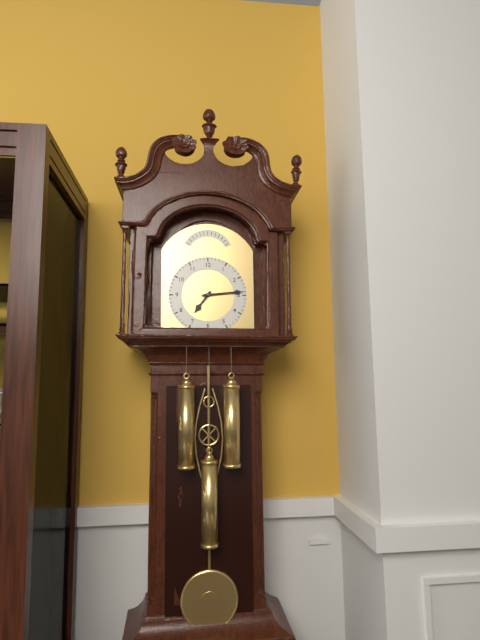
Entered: **7:14**
